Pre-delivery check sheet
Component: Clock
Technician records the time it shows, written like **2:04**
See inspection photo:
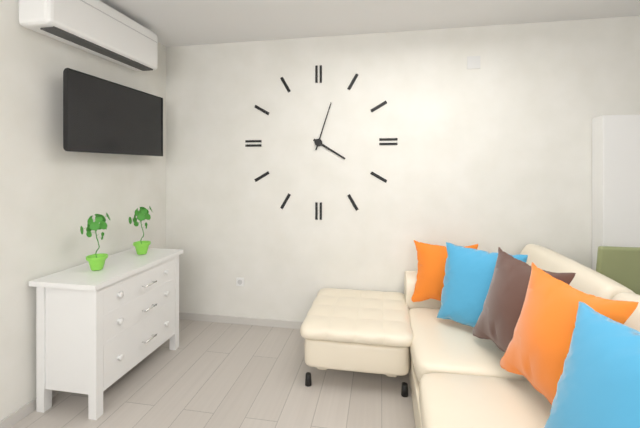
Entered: **4:03**
